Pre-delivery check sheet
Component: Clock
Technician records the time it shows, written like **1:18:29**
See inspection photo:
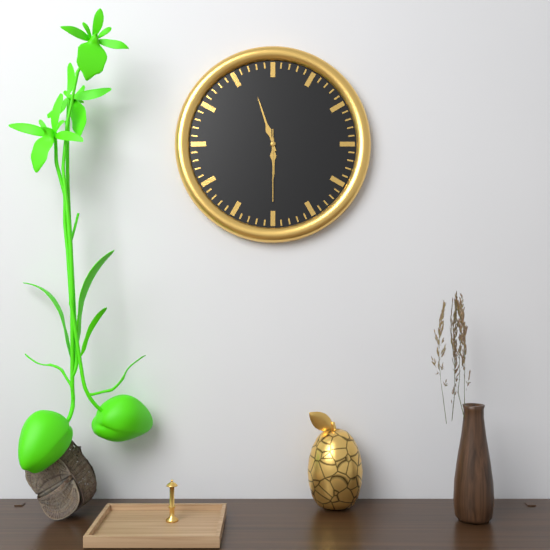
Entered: **5:57:30**
